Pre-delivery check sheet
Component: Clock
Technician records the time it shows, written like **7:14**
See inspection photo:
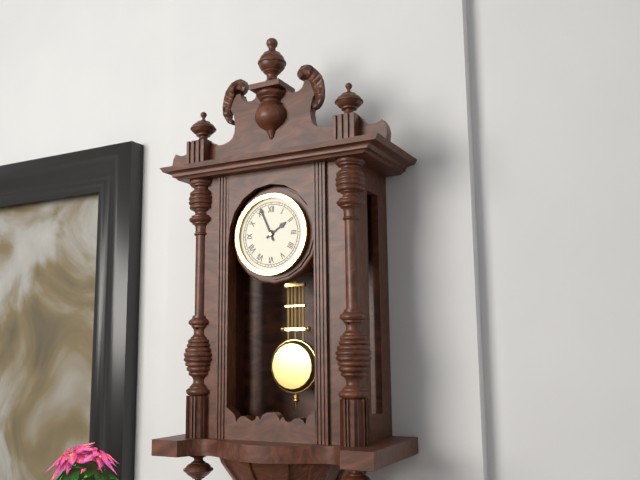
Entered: **1:56**
